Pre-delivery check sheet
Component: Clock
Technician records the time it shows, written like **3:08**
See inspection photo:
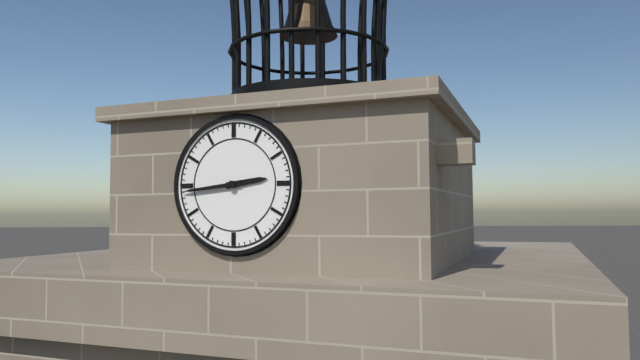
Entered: **2:44**
